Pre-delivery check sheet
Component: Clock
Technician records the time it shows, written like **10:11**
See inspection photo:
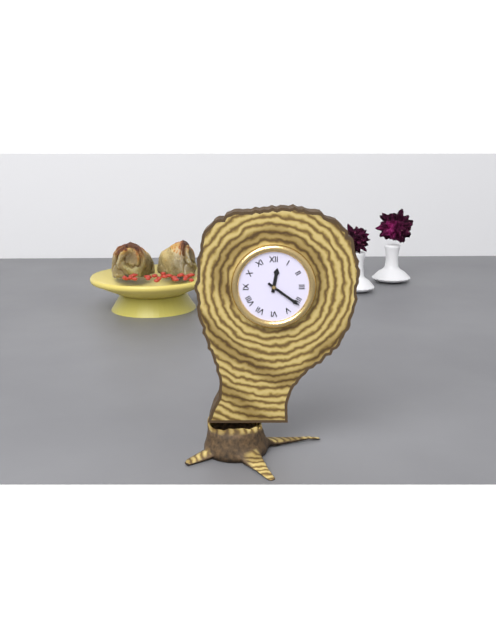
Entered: **12:21**
